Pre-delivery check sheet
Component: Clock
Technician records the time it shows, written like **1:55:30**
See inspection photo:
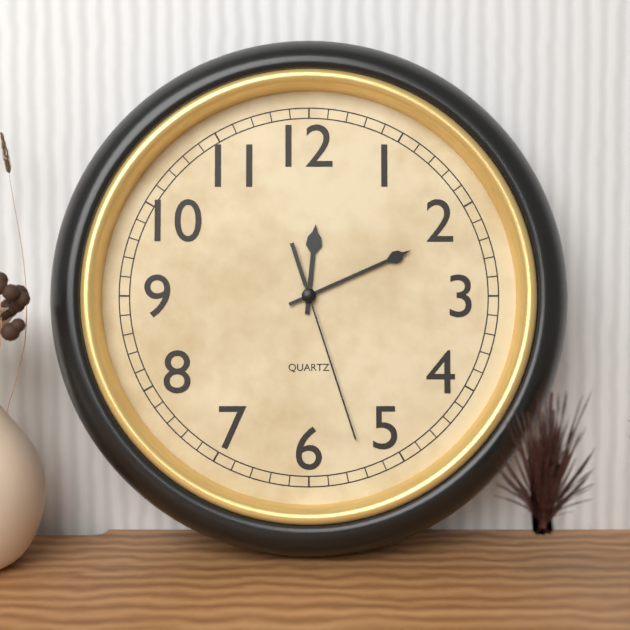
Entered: **12:11:27**
